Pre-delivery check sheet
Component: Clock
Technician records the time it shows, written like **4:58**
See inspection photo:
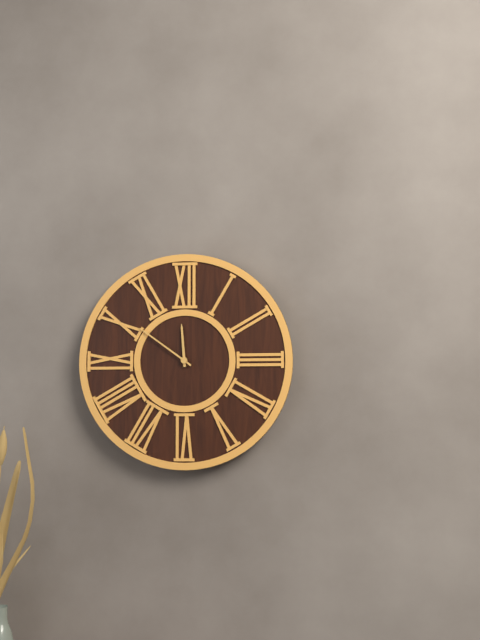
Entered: **11:51**
